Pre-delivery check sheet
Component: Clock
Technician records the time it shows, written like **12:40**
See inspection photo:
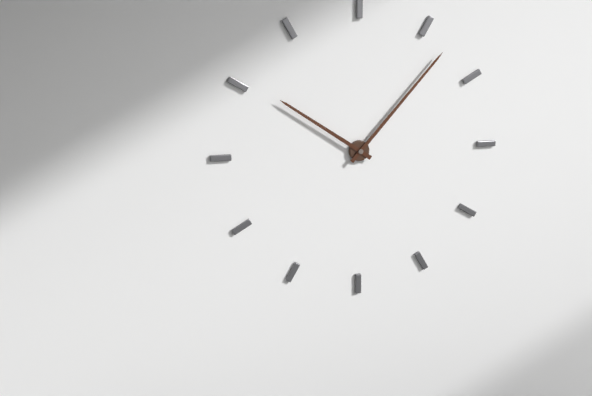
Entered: **10:07**
